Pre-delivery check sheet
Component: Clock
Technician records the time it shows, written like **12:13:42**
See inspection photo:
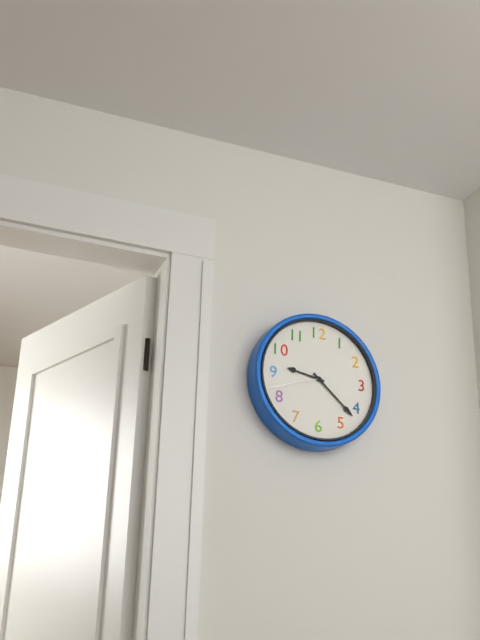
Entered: **9:22:42**
